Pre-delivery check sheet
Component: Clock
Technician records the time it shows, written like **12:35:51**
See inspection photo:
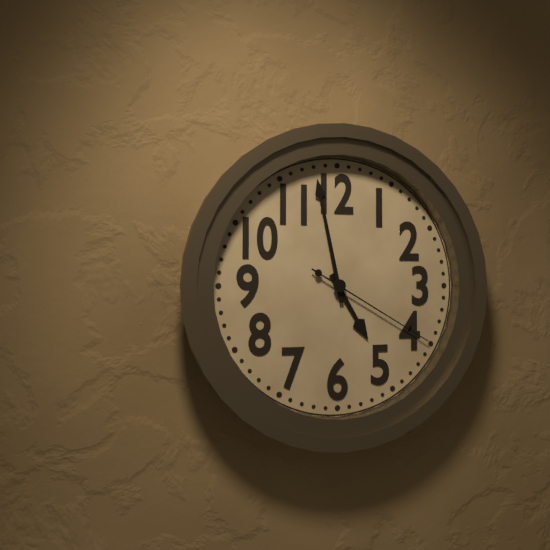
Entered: **4:58:20**
